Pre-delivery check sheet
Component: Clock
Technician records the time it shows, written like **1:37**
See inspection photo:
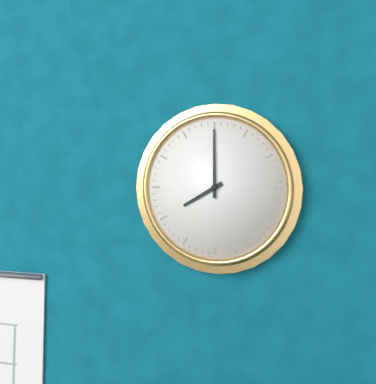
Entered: **8:00**
